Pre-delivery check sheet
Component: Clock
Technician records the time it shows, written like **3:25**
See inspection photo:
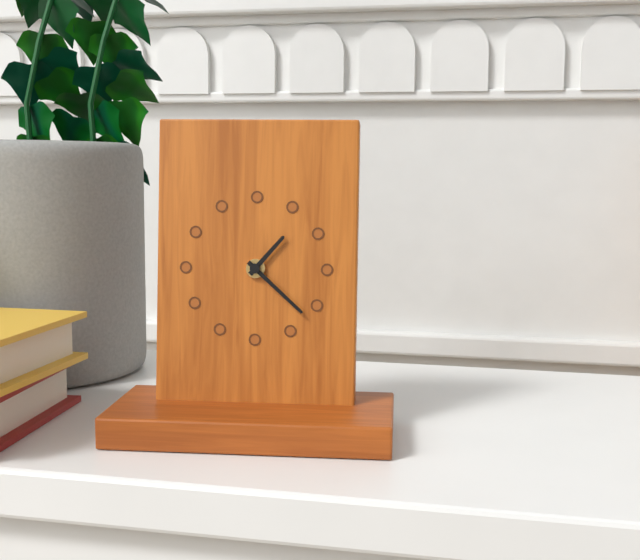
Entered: **1:22**
